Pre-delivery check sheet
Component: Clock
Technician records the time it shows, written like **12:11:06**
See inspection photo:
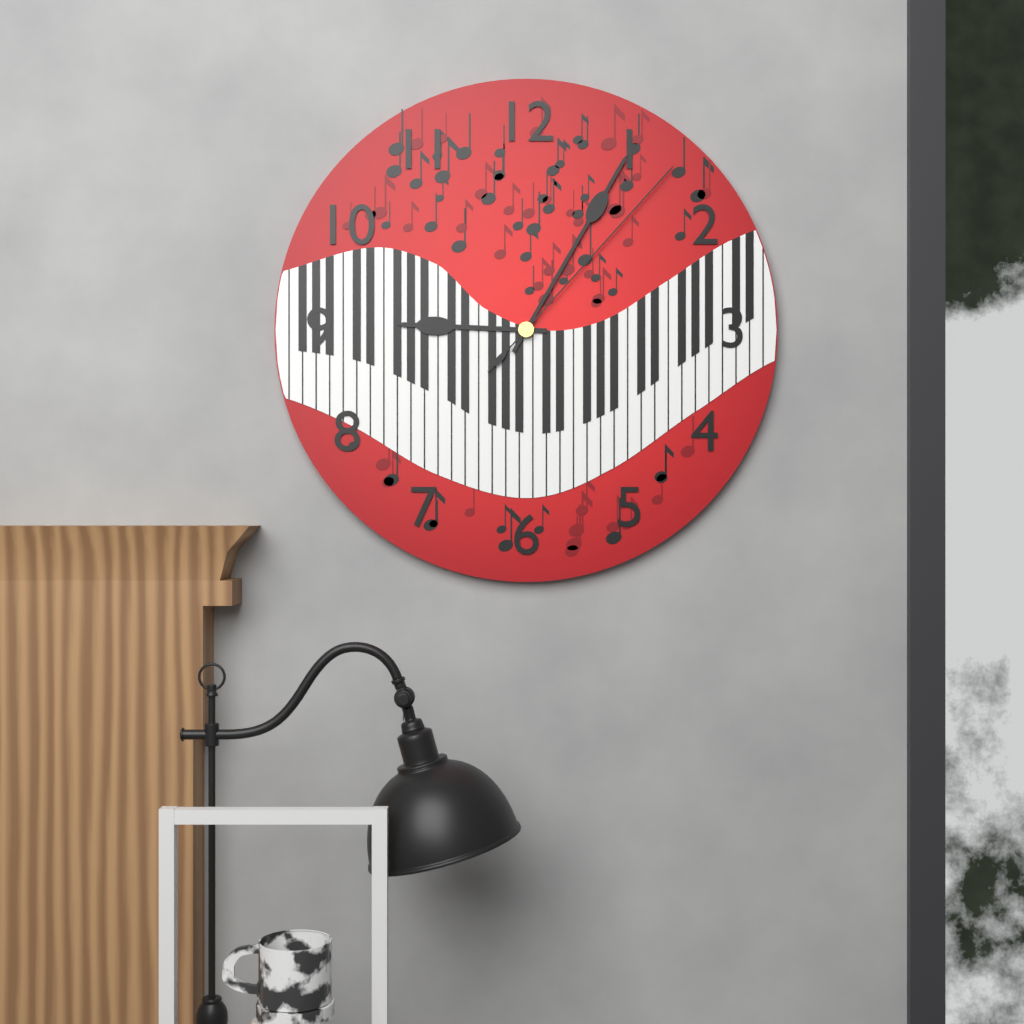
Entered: **9:05:07**
